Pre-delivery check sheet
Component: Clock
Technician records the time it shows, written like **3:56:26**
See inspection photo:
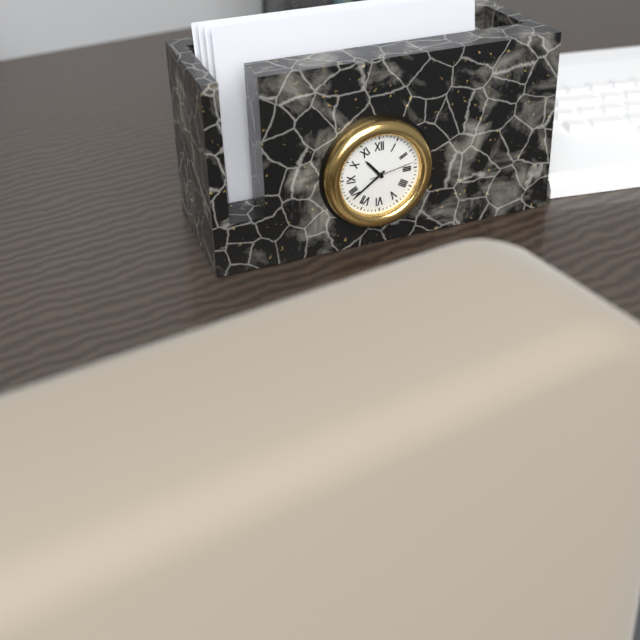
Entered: **10:39:13**
